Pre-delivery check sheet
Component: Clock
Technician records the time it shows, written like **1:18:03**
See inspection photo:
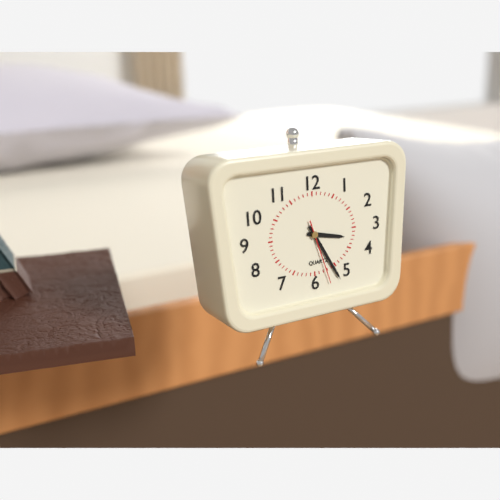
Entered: **3:25:27**
